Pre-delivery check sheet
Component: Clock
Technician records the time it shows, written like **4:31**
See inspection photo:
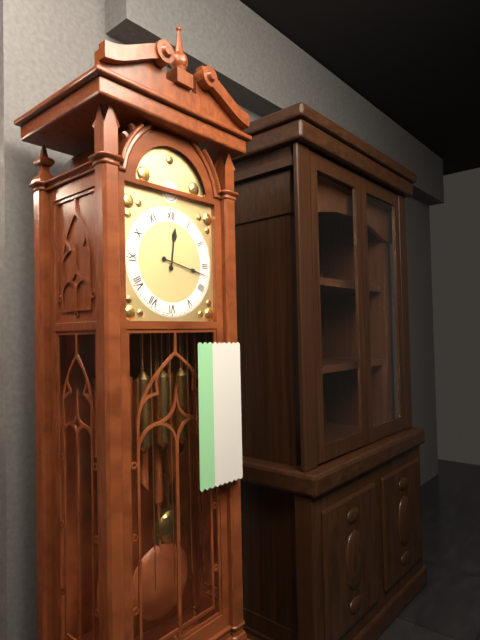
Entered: **12:17**
